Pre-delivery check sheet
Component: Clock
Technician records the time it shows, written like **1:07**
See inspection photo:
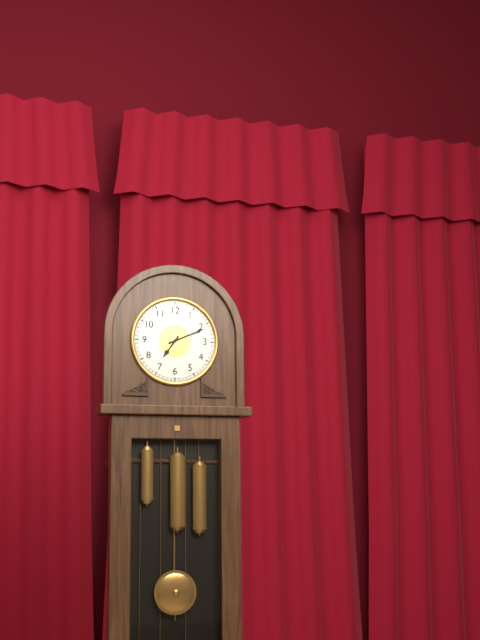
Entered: **7:11**
